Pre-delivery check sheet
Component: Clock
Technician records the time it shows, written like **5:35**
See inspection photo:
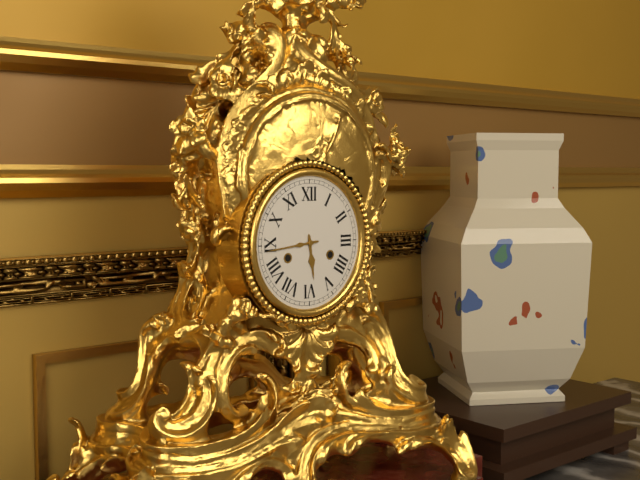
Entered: **5:44**
